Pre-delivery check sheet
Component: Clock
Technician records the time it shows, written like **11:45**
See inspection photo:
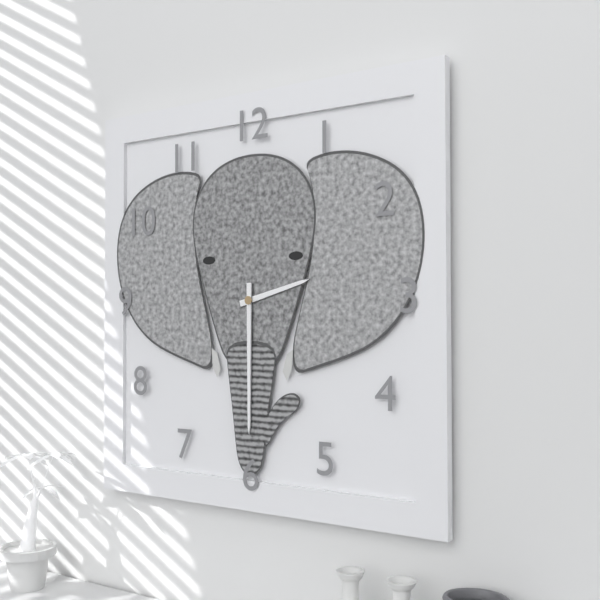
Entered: **2:30**
